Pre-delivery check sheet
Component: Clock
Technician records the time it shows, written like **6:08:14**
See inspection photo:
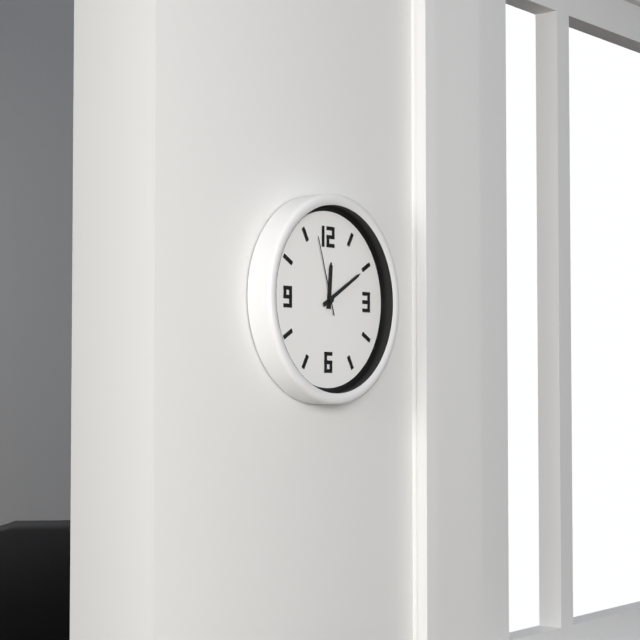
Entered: **12:10:57**
